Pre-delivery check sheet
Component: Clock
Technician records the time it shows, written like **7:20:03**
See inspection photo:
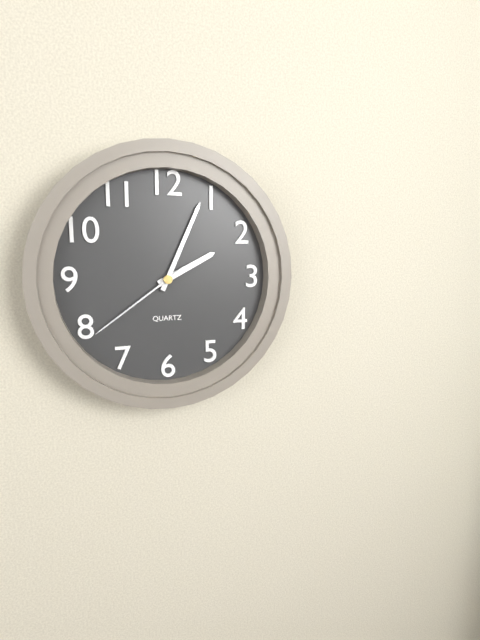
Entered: **2:04:39**
